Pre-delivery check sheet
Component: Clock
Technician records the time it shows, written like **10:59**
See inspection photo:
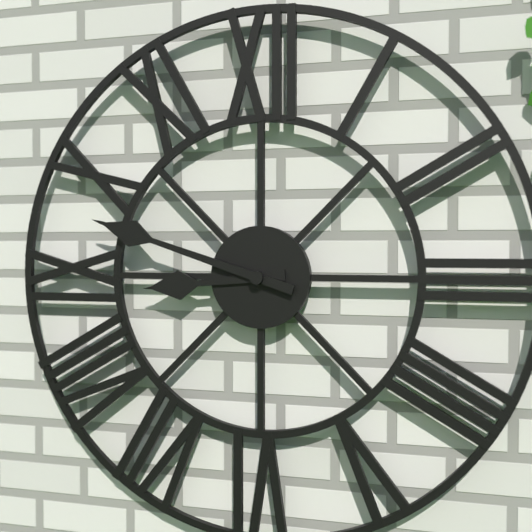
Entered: **8:48**
